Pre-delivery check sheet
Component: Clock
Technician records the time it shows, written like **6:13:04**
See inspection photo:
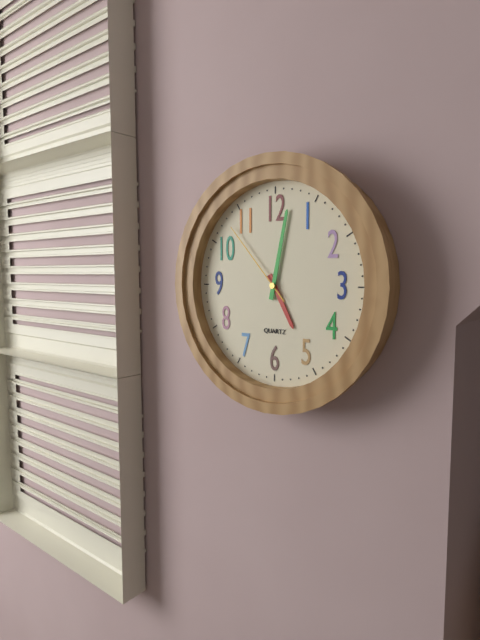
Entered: **5:02:53**
